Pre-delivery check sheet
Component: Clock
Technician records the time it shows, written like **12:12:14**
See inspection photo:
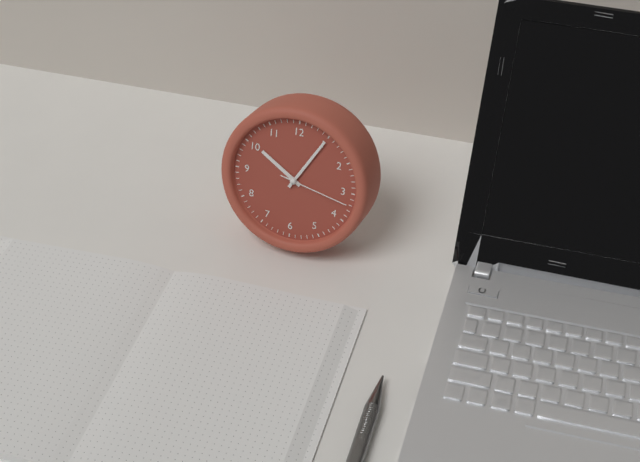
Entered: **10:05:17**
